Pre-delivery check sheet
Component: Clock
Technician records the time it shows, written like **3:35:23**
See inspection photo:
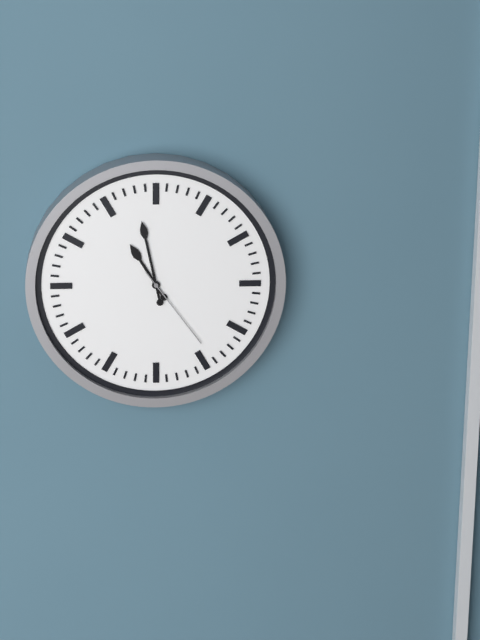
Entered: **10:58:24**
